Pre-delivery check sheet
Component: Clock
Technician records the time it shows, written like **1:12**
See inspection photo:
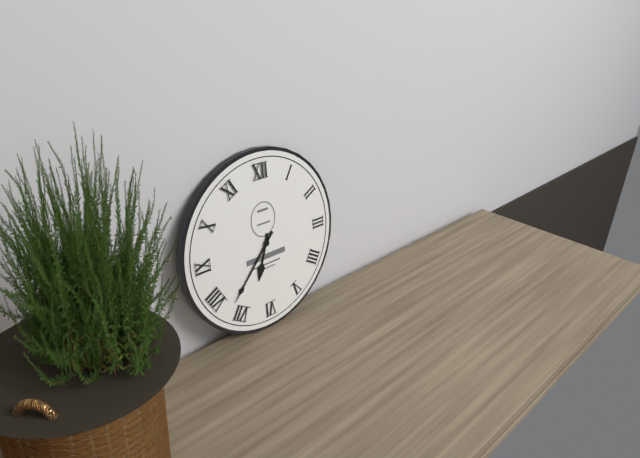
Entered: **6:37**
